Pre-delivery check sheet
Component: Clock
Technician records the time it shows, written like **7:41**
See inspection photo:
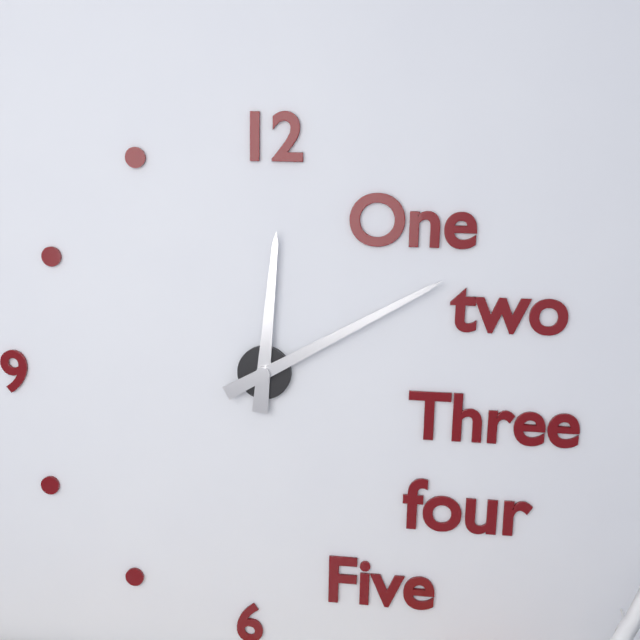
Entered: **12:10**
